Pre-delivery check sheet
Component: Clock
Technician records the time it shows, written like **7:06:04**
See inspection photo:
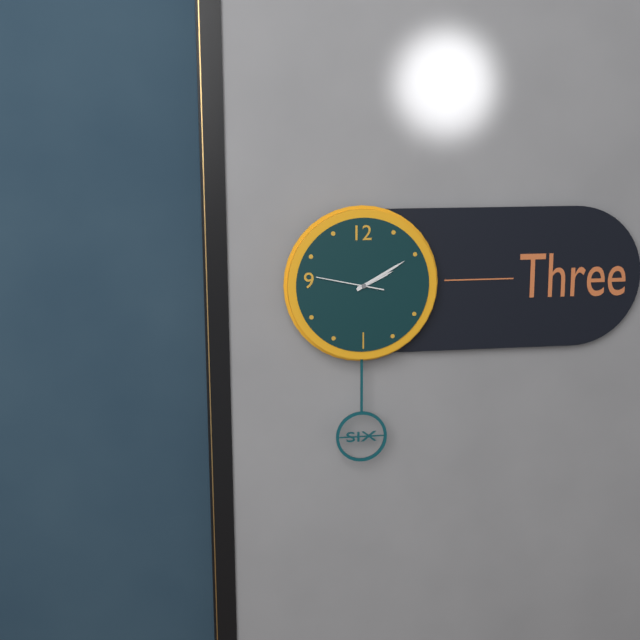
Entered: **2:10:47**
